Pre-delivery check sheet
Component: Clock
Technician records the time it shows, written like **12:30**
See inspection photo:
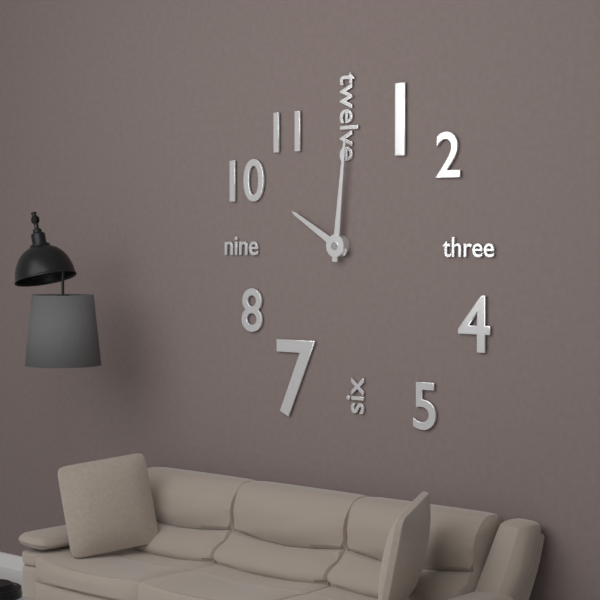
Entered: **10:01**
